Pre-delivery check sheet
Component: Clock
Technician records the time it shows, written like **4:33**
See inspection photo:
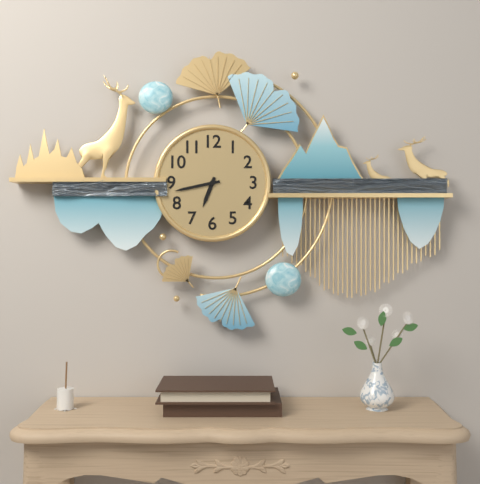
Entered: **6:43**
